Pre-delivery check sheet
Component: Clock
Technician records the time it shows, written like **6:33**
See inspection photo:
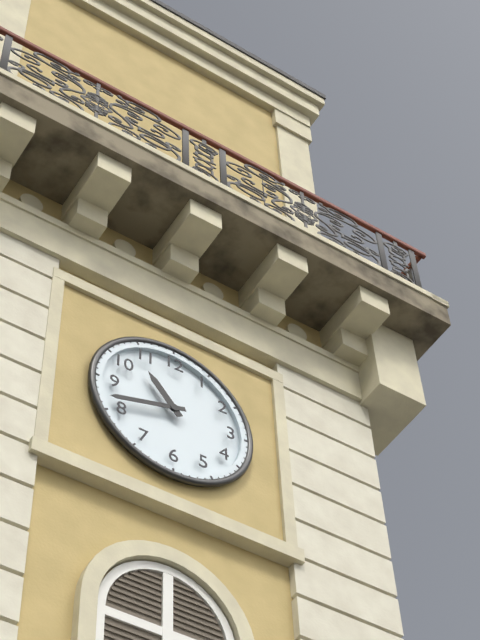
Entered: **10:42**
